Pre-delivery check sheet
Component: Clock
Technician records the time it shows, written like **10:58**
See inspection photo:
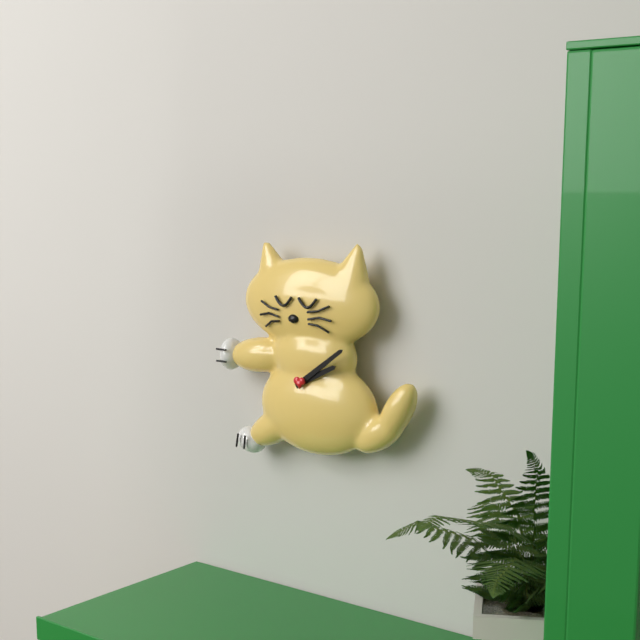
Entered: **2:09**
